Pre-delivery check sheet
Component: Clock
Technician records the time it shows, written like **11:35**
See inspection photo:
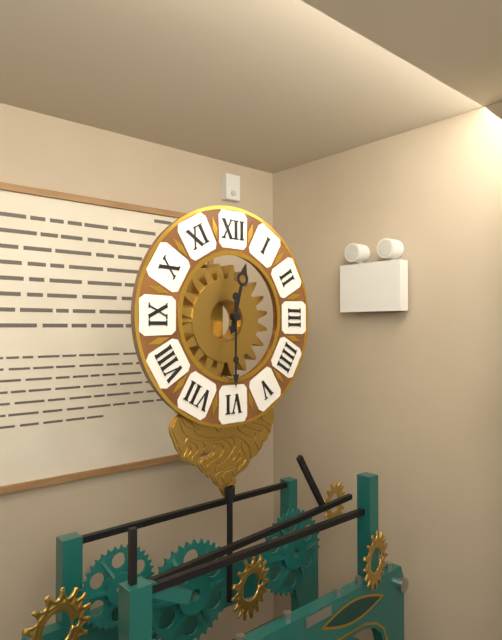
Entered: **12:30**
